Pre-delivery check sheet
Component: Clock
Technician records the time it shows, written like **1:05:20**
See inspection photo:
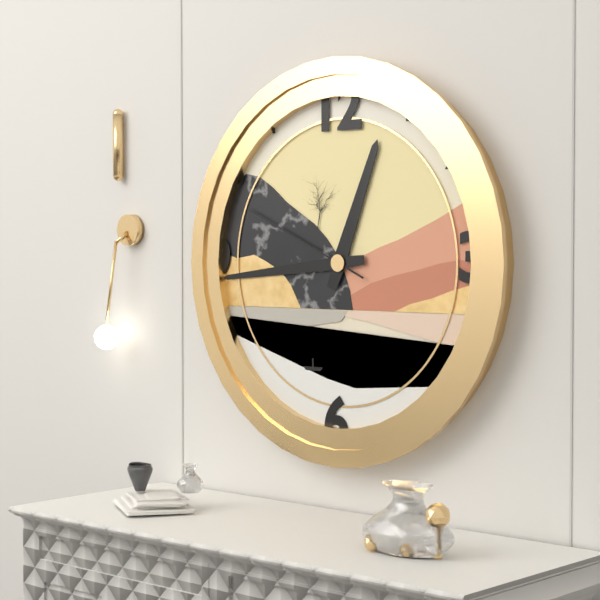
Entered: **12:44:49**
